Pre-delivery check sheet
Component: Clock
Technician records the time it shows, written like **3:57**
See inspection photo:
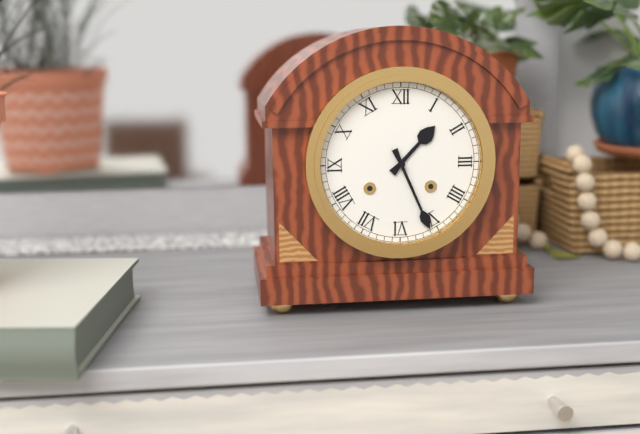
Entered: **1:26**
